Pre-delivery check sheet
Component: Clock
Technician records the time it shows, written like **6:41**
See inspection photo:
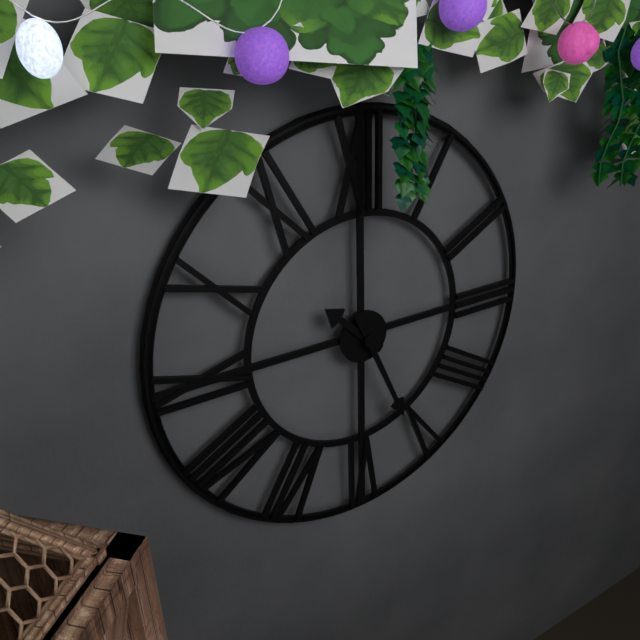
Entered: **10:26**
